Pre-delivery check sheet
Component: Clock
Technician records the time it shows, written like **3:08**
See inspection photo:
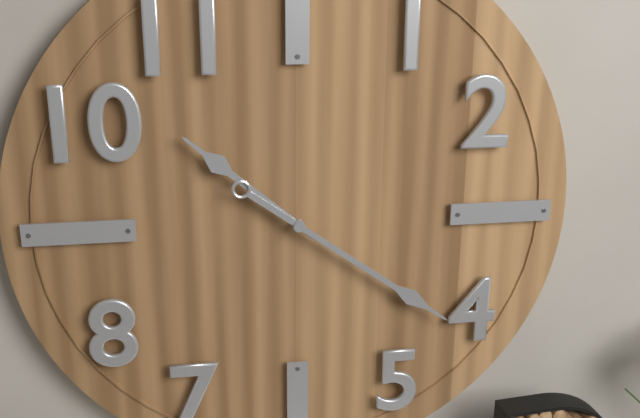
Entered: **10:21**
